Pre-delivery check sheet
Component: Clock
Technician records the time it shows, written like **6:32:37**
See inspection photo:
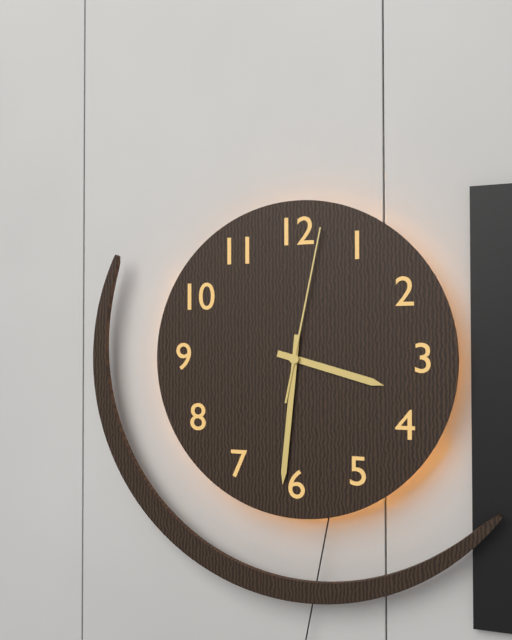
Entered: **3:31:02**
